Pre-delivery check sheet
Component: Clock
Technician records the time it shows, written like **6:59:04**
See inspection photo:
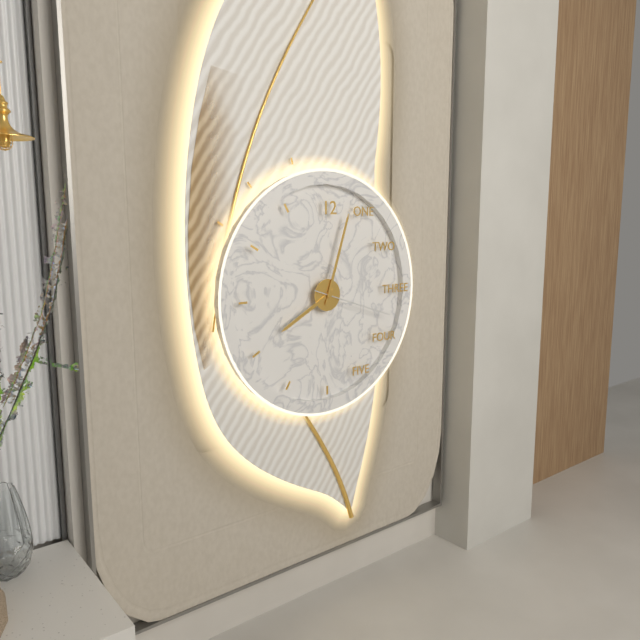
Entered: **8:03:18**
